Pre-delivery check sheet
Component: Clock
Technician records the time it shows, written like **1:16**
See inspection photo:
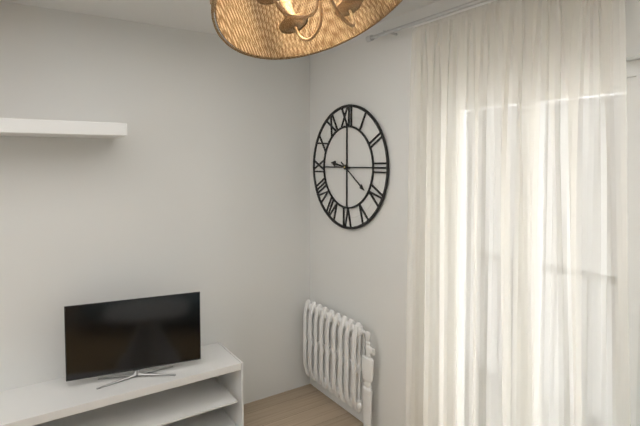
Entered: **9:21**
